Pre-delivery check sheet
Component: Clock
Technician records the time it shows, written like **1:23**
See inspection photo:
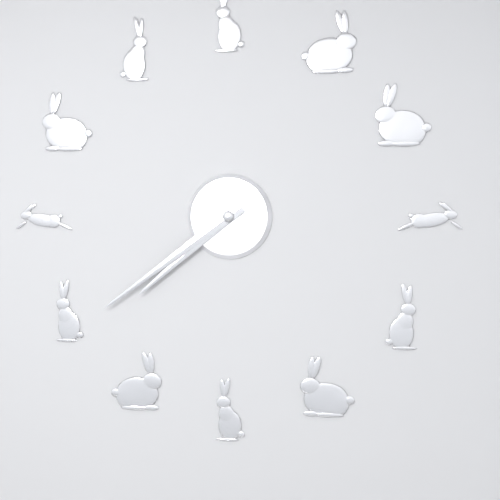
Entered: **7:39**
